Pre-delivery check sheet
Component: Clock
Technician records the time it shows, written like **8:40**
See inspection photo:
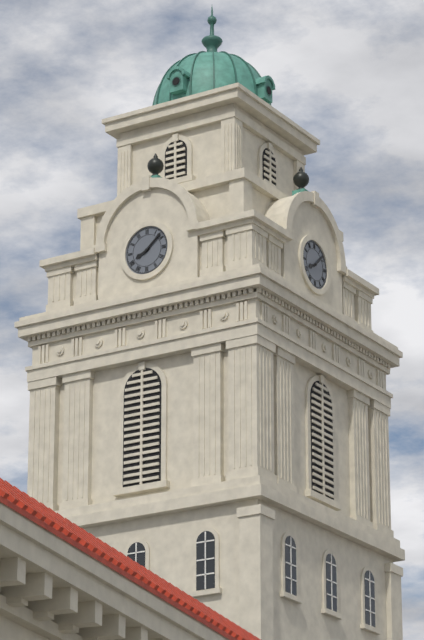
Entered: **8:08**
